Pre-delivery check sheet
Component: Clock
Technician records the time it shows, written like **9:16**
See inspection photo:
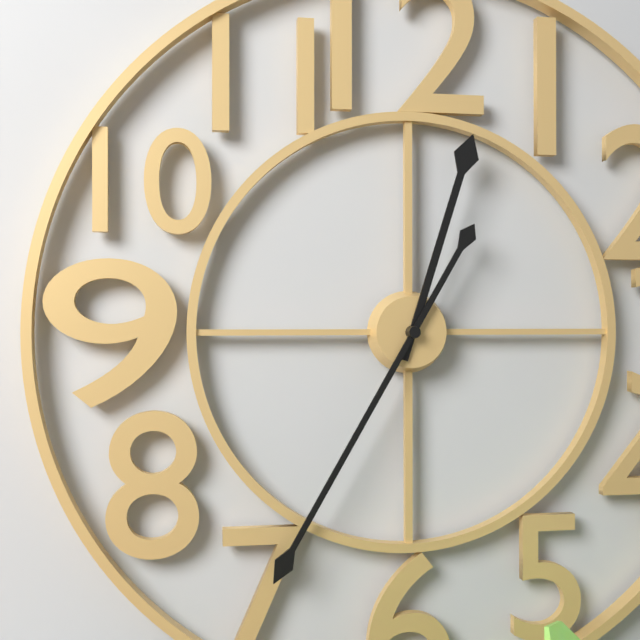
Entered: **12:35**
